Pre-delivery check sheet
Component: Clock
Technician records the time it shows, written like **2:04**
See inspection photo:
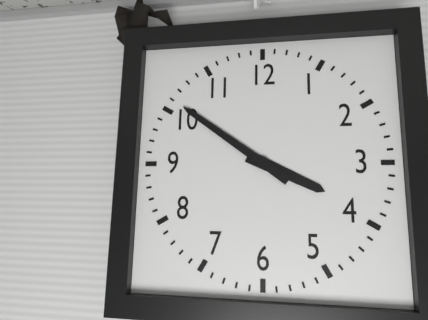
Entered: **3:51**
